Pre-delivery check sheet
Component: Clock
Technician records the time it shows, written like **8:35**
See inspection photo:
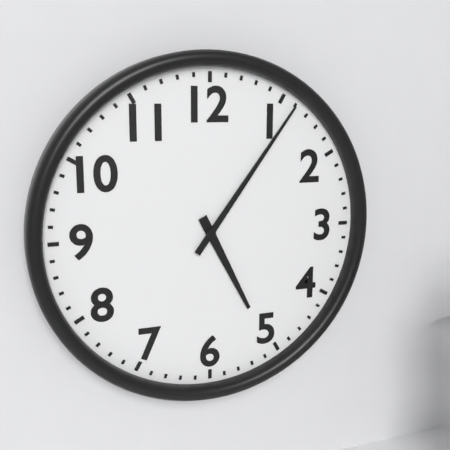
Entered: **5:06**
